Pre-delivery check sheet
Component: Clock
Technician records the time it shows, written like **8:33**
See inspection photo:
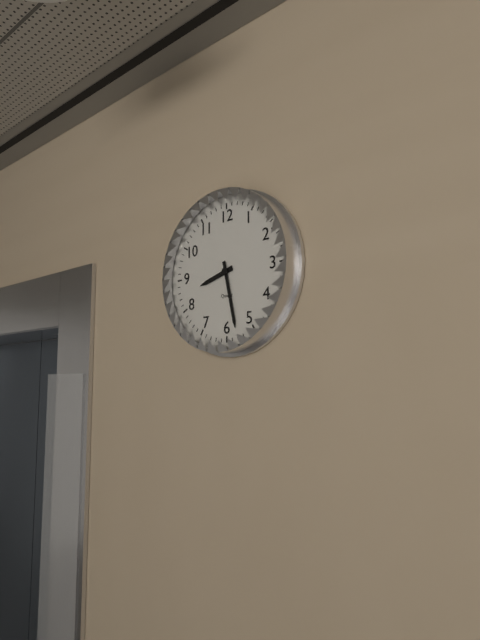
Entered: **8:28**
